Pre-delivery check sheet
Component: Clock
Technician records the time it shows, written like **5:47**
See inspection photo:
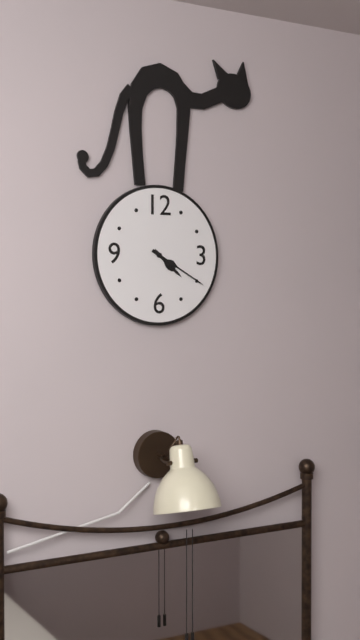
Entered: **4:20**
